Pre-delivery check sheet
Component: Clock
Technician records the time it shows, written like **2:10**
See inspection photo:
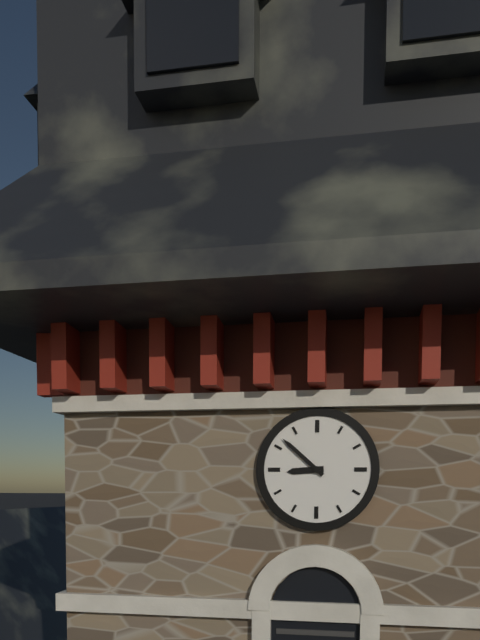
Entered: **8:52**
